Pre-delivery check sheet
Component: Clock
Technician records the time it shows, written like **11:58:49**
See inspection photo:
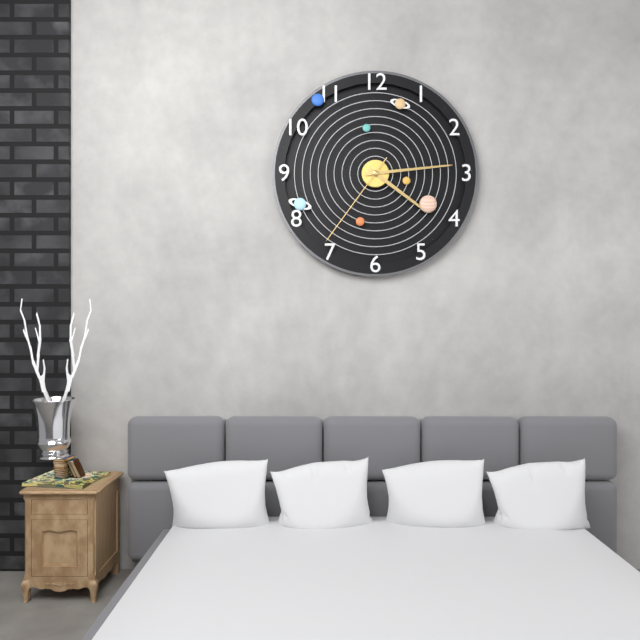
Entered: **4:14:36**
